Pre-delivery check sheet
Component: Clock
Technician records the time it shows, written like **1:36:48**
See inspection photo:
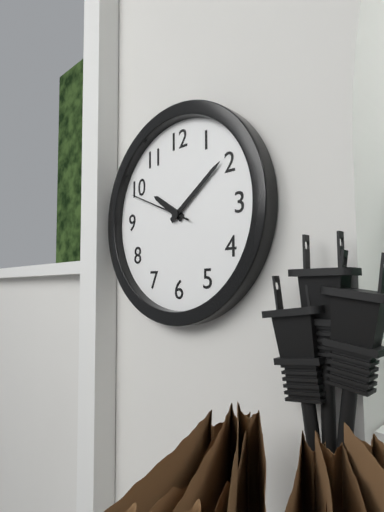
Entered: **10:09:49**
